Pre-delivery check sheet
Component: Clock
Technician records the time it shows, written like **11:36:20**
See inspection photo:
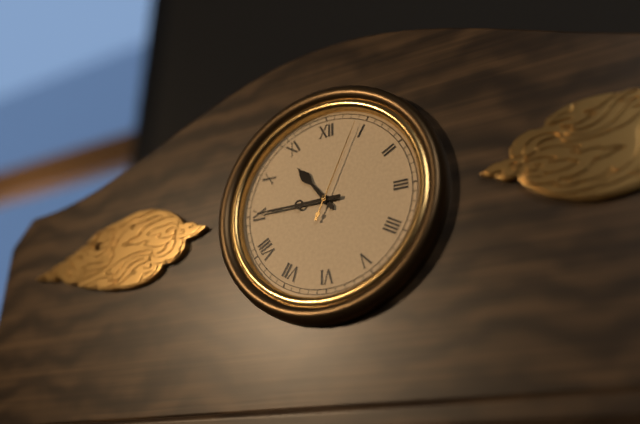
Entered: **10:45:04**
